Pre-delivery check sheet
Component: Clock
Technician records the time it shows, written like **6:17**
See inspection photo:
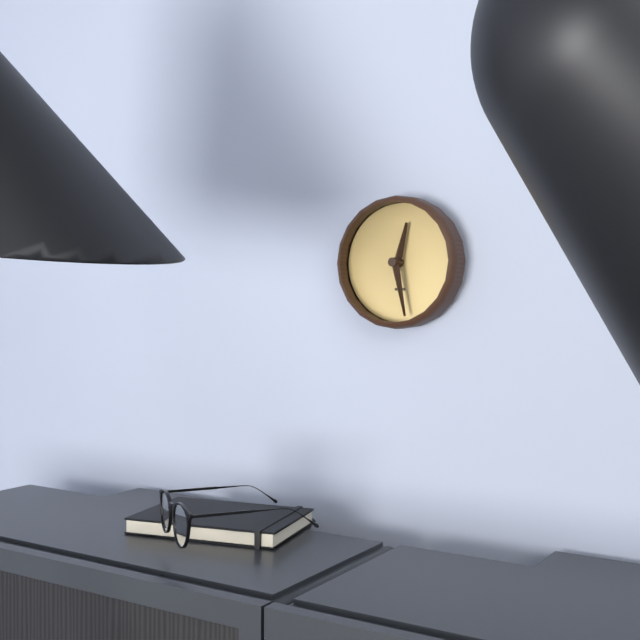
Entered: **12:28**
